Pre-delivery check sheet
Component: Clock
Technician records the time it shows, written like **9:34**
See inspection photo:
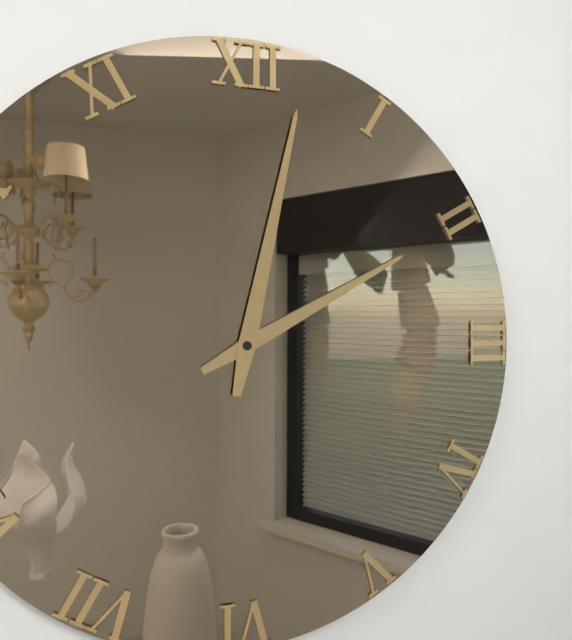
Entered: **2:02**
